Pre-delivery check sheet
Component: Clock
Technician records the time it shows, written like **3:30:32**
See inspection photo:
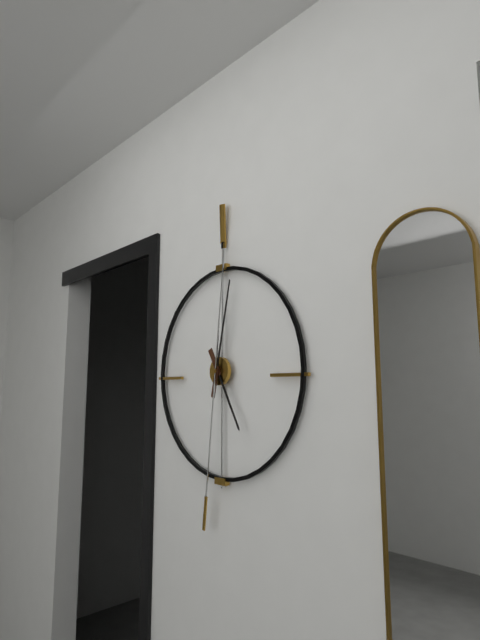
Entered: **5:02:31**
